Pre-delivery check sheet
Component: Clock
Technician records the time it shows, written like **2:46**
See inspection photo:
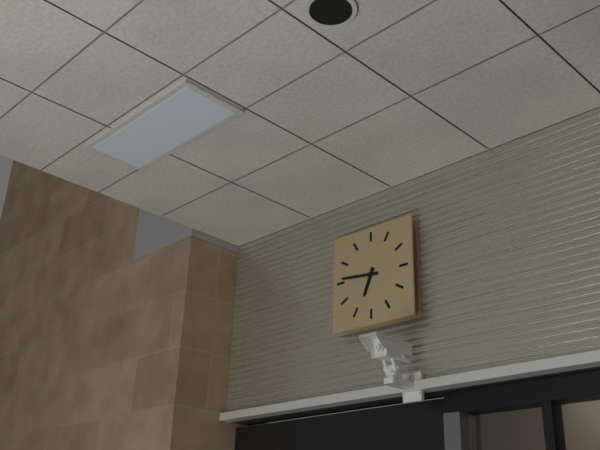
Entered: **6:46**
